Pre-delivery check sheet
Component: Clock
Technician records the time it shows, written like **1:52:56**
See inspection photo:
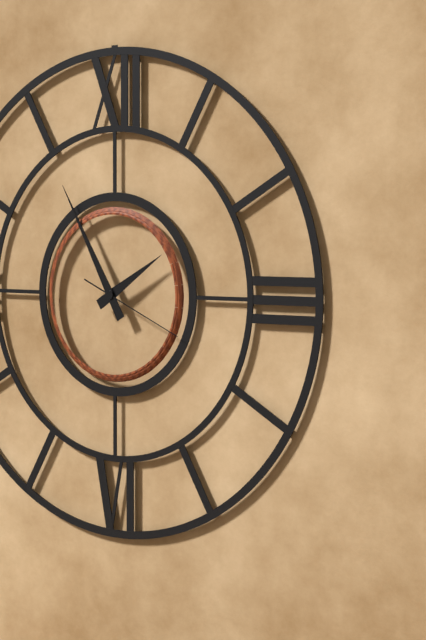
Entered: **1:55:19**
